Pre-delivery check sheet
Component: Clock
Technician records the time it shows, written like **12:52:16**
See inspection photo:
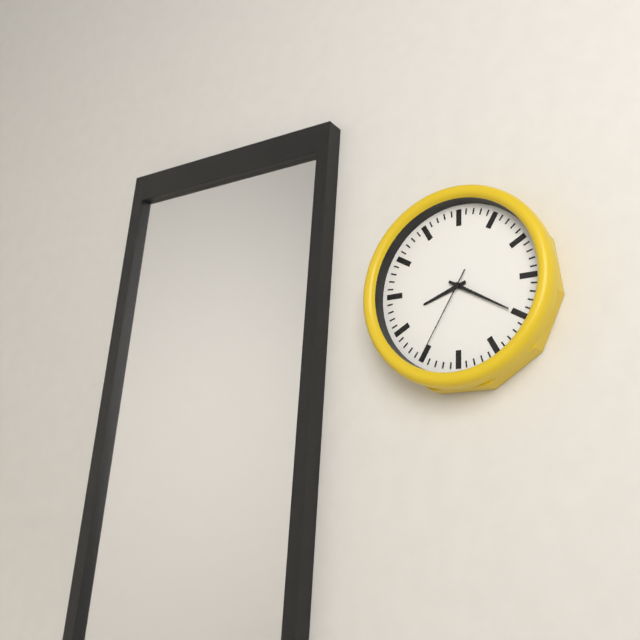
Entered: **8:20:35**
